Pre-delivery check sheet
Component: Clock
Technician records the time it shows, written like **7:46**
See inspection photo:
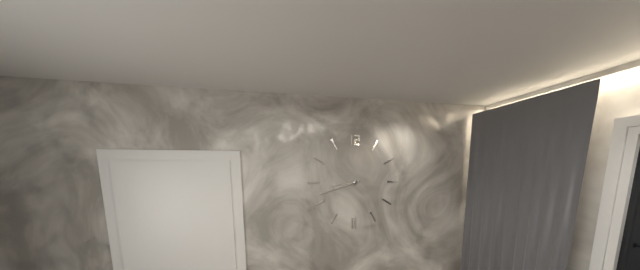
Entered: **8:42**
